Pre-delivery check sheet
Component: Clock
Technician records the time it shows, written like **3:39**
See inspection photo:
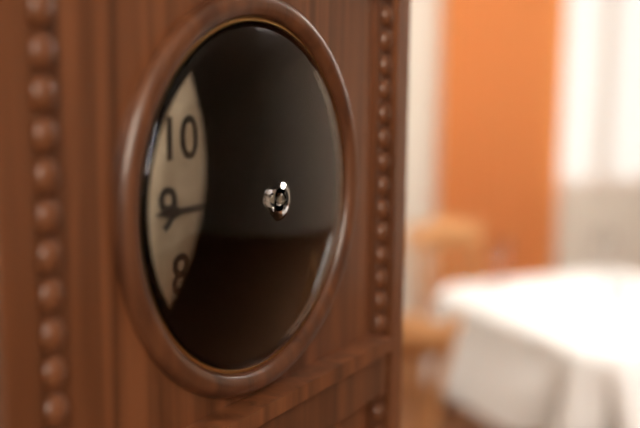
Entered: **3:45**
